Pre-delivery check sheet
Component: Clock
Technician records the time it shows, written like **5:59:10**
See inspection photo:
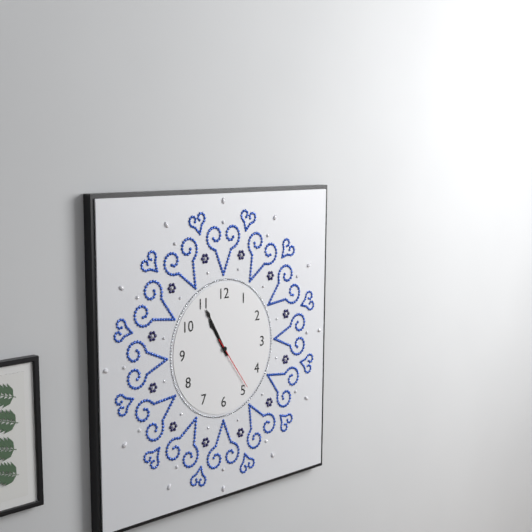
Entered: **10:55:24**
